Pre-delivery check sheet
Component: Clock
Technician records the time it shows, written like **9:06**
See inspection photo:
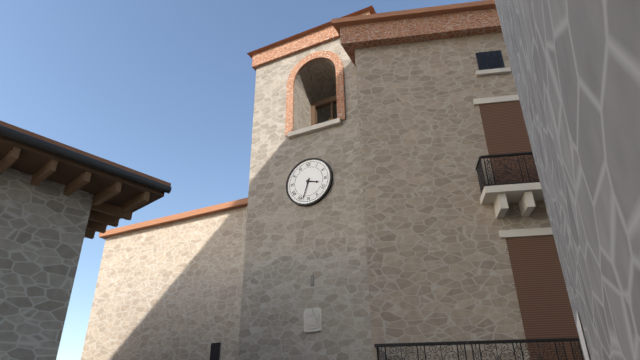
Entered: **3:33**
